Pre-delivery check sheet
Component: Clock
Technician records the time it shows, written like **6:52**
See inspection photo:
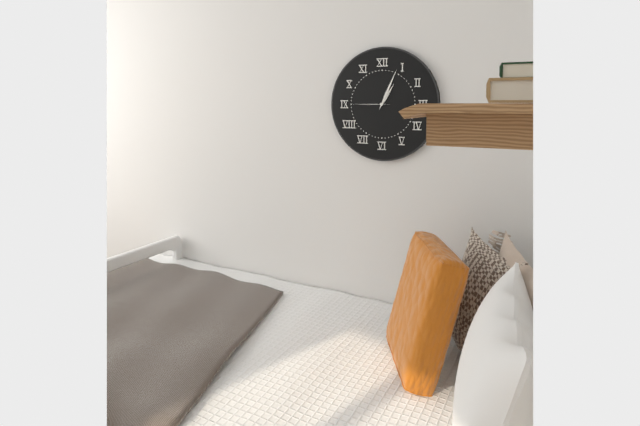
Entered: **1:04**
